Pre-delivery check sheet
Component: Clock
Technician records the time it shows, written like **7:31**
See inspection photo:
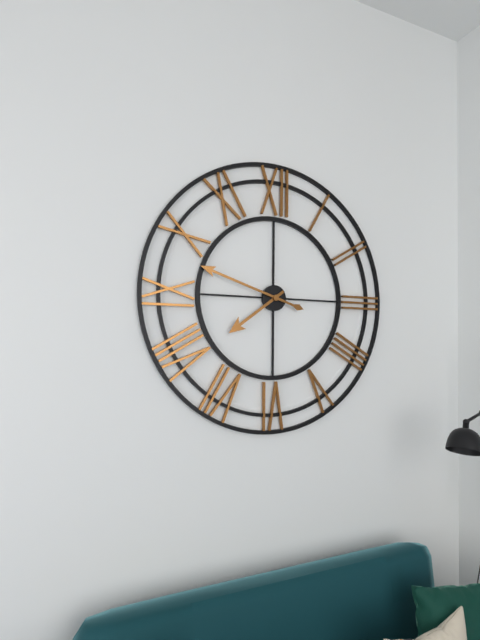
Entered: **7:48**
